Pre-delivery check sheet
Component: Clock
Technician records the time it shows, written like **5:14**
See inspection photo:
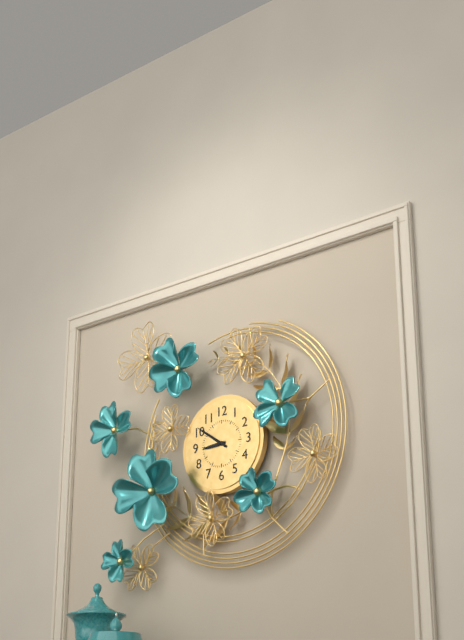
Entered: **8:51**
